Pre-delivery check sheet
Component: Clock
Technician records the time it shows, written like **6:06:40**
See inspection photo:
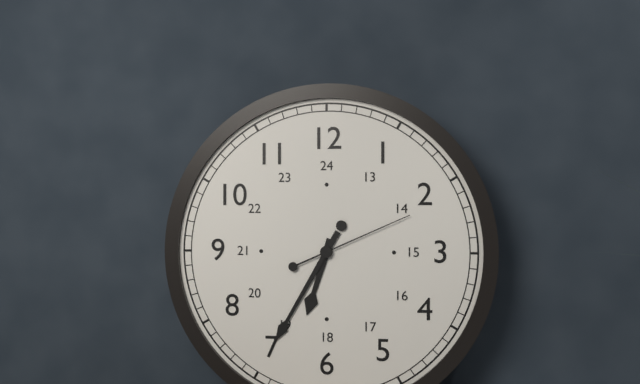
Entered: **6:35:11**
